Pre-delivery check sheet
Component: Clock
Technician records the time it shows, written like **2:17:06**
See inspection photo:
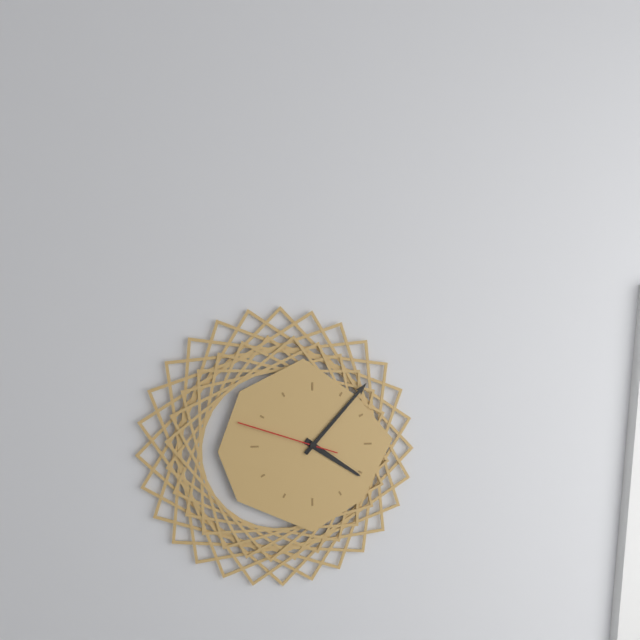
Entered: **4:07:48**
